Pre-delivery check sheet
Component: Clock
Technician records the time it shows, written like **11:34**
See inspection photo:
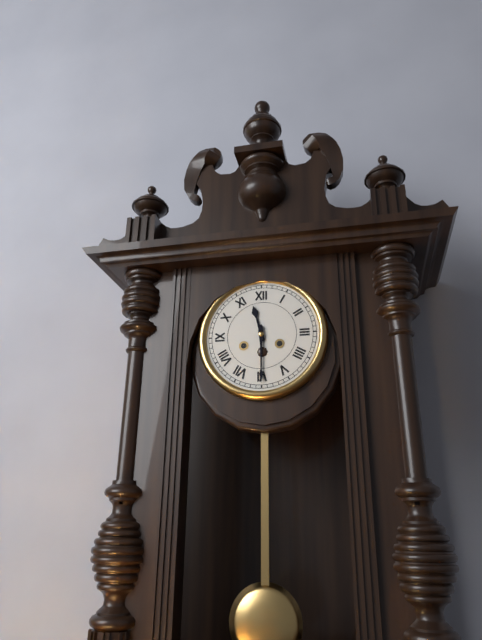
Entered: **11:30**
